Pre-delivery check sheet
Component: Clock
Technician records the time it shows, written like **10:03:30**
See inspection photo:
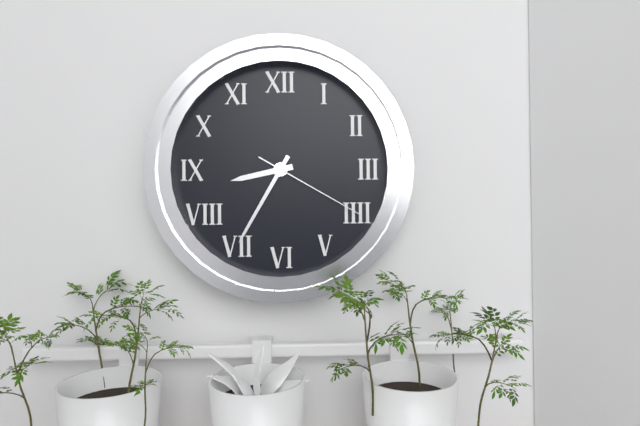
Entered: **8:35:20**
